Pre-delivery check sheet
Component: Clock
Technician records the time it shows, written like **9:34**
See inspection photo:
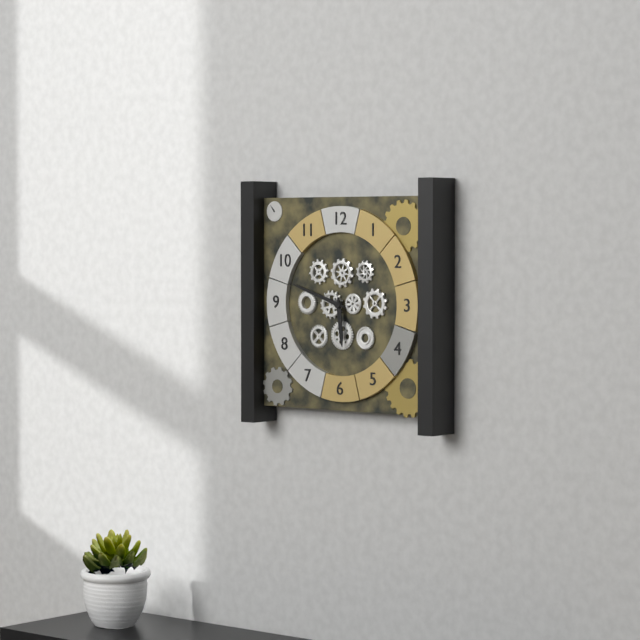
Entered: **5:48**
